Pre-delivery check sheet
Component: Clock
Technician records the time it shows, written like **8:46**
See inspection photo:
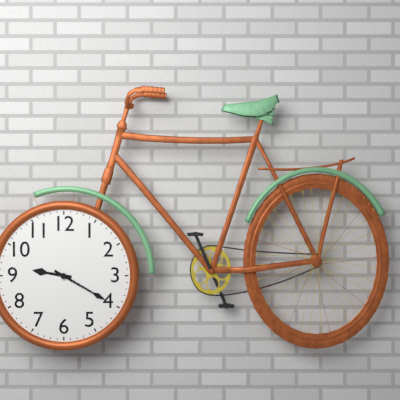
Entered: **9:20**
